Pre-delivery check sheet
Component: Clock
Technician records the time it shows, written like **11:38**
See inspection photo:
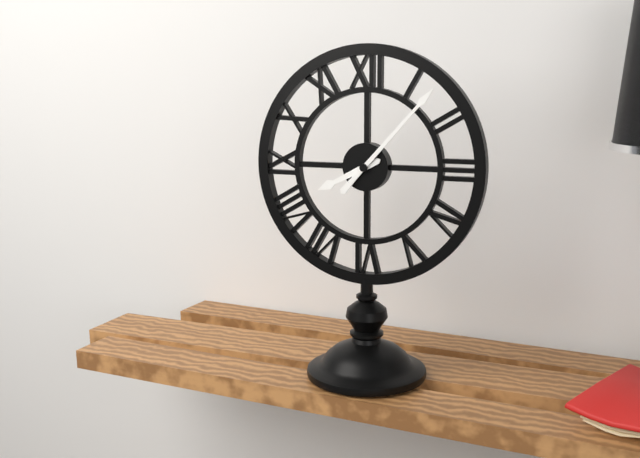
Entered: **8:07**
